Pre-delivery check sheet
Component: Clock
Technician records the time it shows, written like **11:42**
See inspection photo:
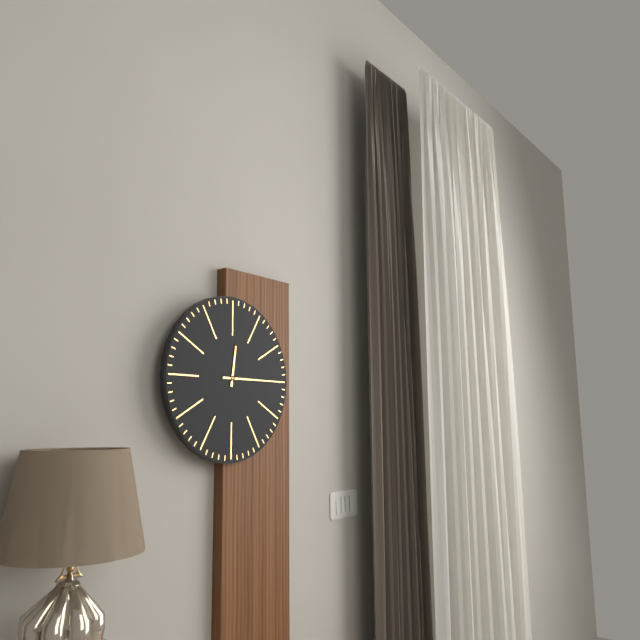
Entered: **12:15**
